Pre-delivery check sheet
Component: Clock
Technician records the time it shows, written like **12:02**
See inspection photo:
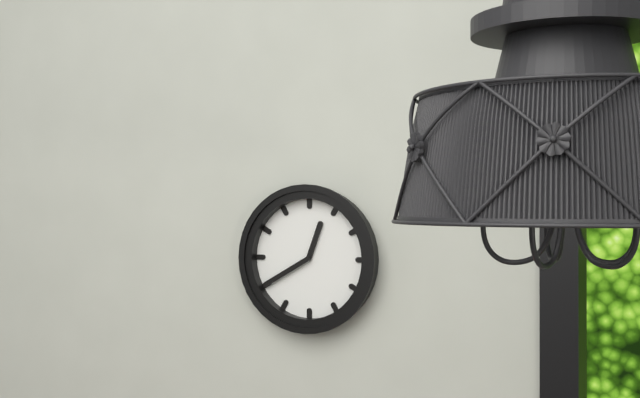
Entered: **12:40**
